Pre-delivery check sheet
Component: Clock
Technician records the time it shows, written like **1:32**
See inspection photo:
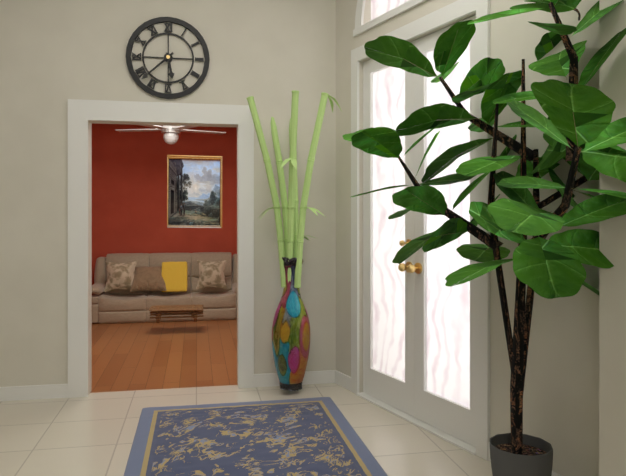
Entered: **5:38**
